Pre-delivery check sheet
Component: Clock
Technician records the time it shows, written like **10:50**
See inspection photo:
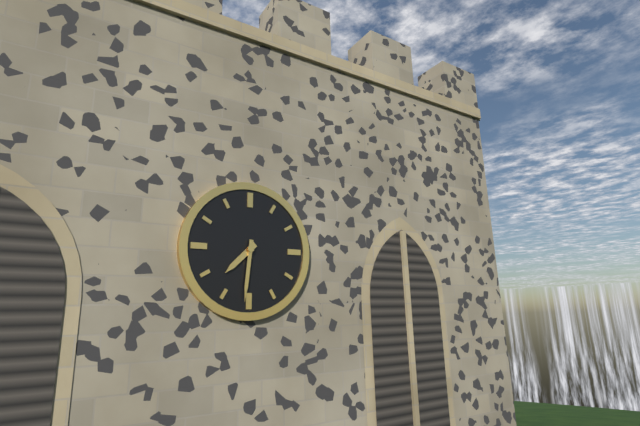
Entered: **7:31**
